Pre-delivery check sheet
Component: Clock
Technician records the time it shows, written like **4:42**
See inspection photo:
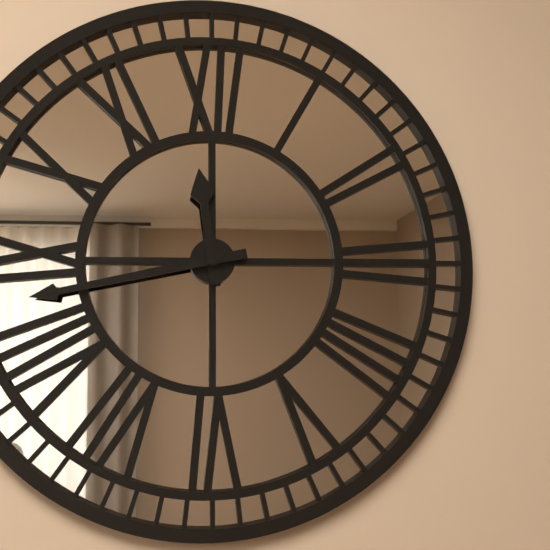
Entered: **11:43**
